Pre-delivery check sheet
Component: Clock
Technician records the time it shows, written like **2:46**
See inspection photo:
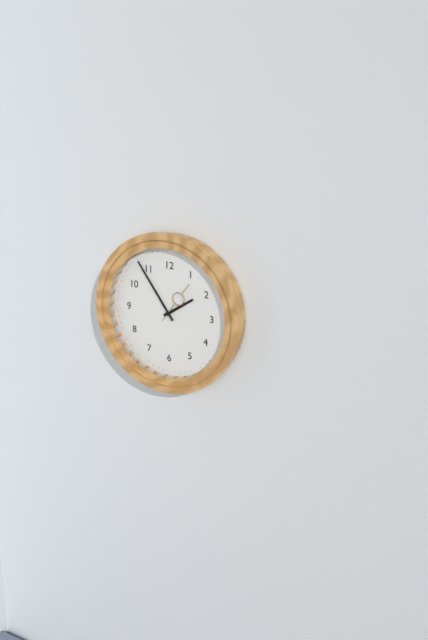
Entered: **1:54**
